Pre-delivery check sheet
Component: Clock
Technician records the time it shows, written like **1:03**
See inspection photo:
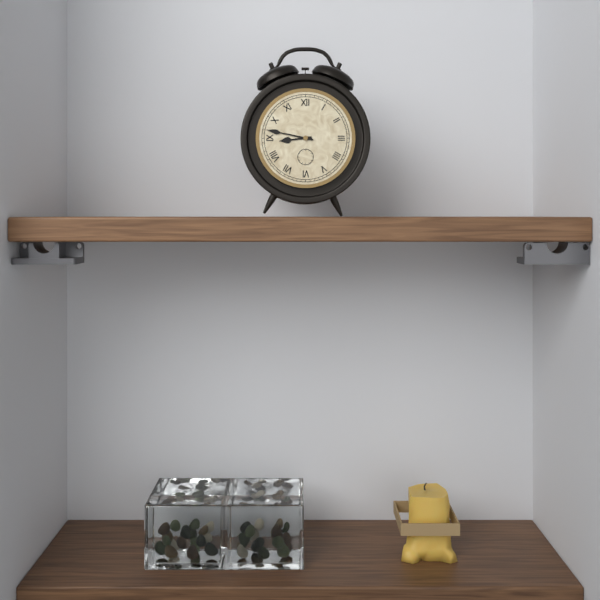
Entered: **8:47**
